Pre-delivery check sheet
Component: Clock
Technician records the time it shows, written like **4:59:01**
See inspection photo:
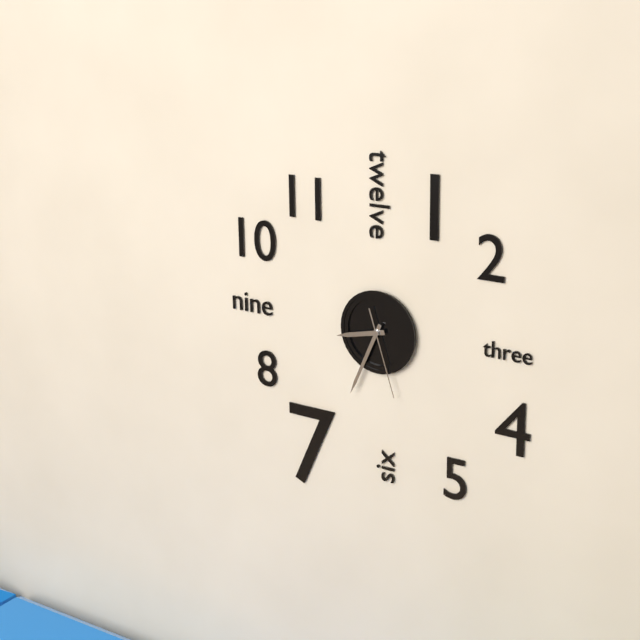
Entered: **8:34:27**
